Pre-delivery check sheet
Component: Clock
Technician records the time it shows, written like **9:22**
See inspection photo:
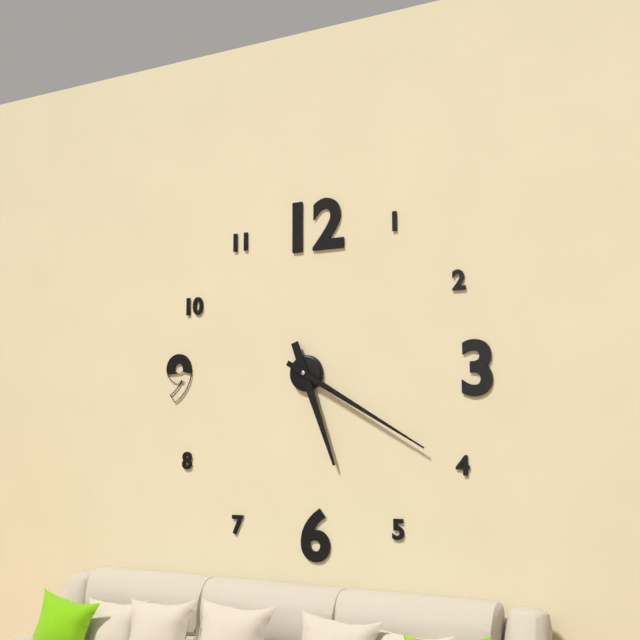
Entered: **5:20**
